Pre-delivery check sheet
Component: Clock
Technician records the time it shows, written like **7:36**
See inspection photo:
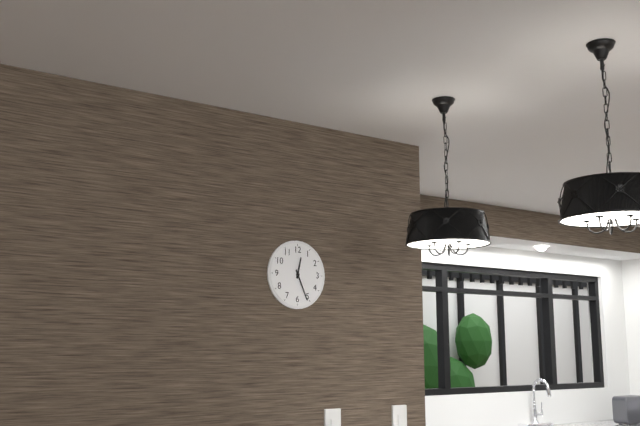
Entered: **12:26**
